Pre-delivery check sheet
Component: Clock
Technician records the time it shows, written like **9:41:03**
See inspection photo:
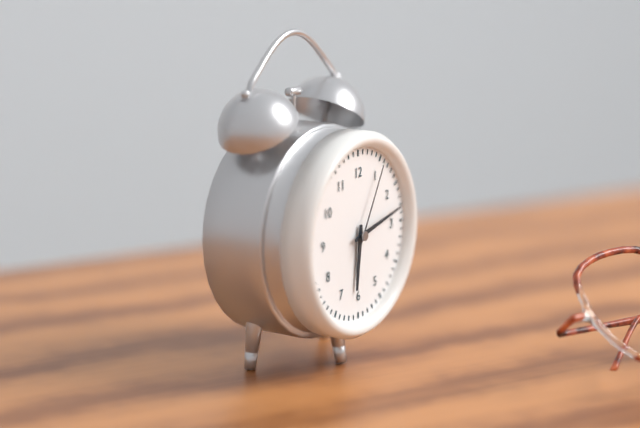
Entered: **6:13:05**
